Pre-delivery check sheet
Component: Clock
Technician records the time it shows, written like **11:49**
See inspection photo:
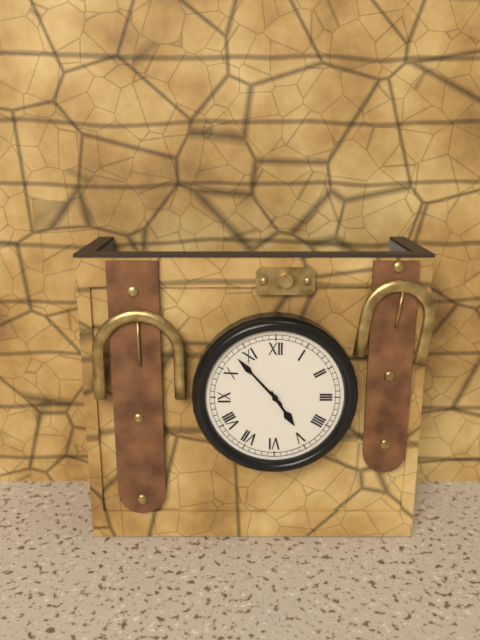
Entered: **4:53**
